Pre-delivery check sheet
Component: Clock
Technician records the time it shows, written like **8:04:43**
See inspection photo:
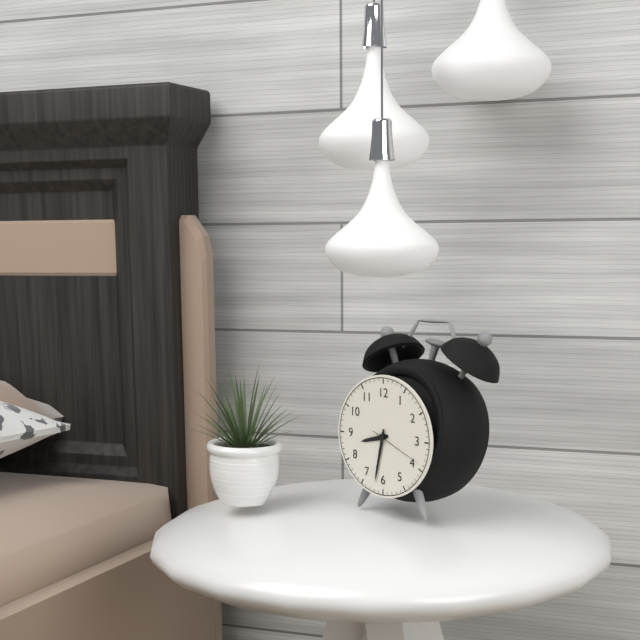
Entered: **8:32:19**
